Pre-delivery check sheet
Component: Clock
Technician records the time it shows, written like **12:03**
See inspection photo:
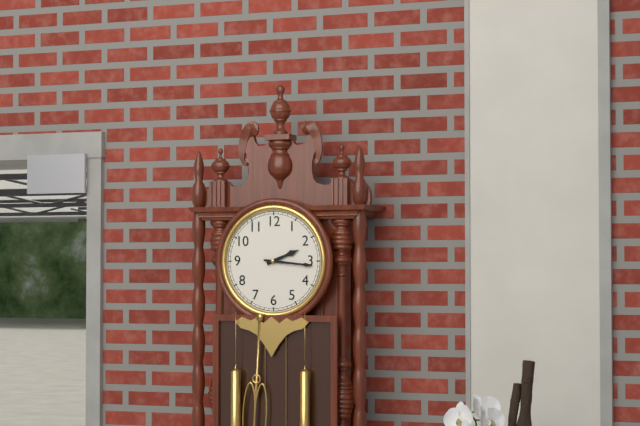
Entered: **2:16**
